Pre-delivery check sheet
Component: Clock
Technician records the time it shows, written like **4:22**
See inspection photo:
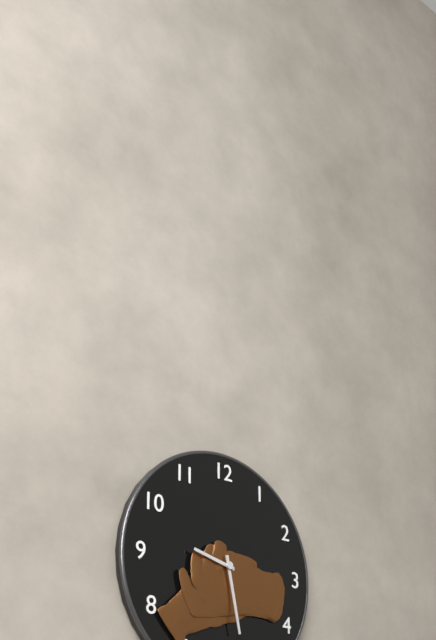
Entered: **9:28**
